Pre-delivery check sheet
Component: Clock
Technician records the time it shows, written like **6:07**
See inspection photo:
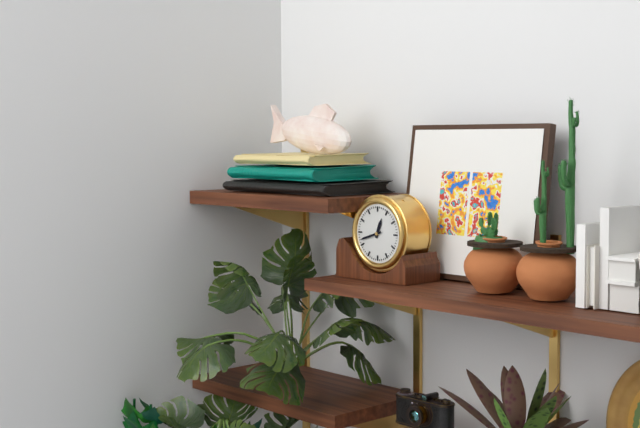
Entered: **12:42**
